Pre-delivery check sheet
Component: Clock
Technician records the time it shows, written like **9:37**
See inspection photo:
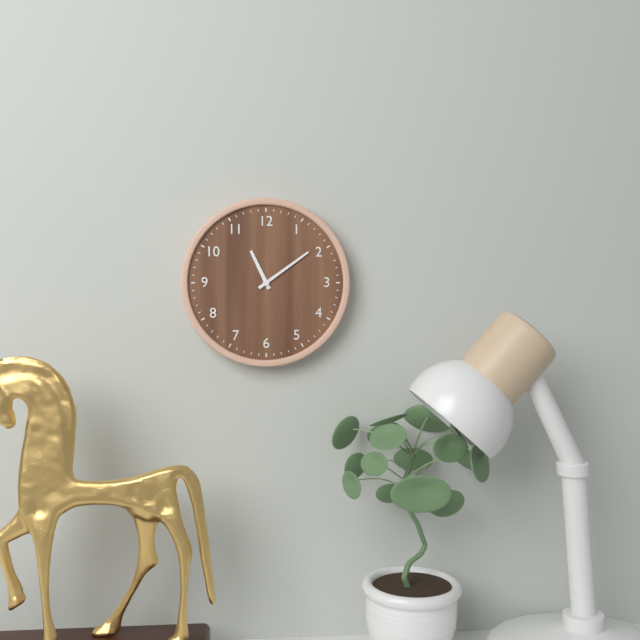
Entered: **11:09**
